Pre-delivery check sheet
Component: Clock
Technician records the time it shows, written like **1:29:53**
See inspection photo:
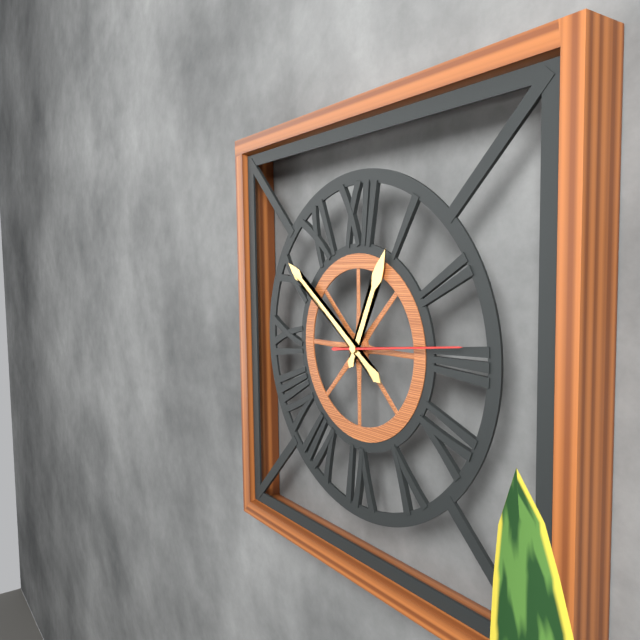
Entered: **12:51:14**
